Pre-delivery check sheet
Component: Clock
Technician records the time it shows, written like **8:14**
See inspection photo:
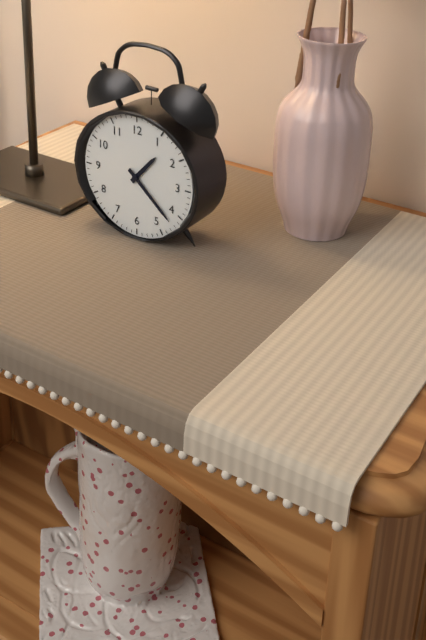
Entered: **1:22**
